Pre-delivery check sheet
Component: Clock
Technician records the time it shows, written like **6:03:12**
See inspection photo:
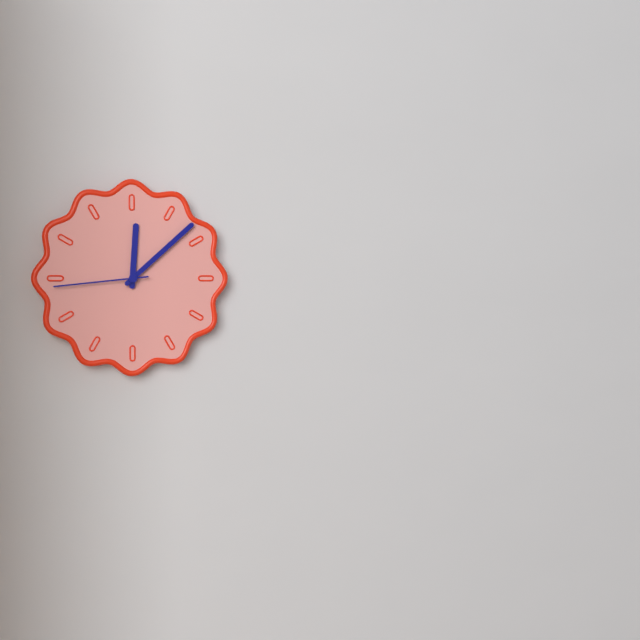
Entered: **12:08:44**
